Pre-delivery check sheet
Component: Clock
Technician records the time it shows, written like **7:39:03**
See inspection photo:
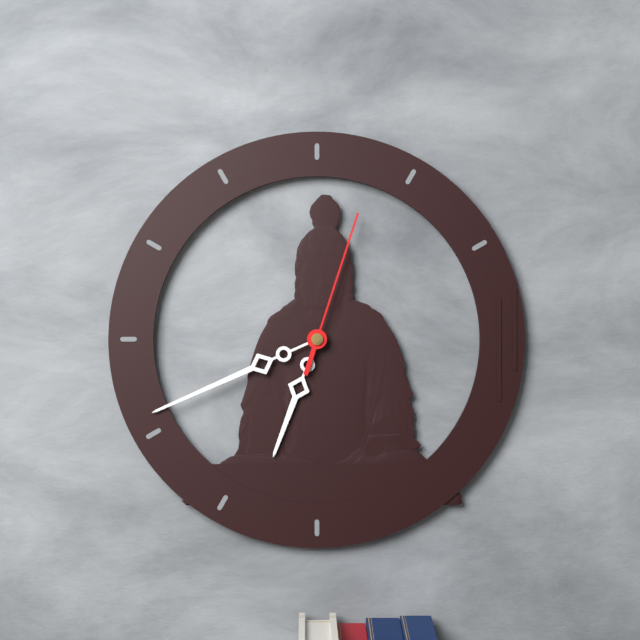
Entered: **6:41:03**
